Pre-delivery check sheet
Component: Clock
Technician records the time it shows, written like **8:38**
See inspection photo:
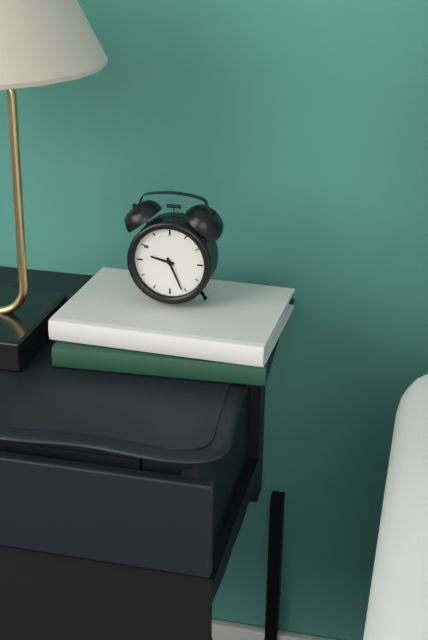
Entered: **9:26**
